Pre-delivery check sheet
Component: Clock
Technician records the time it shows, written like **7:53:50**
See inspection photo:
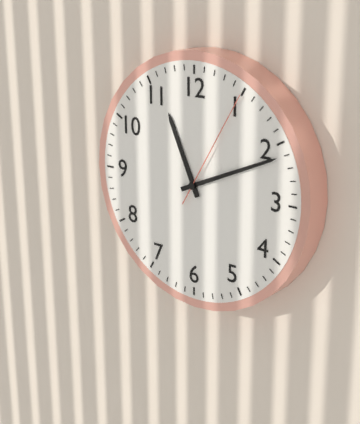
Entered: **11:11:05**
